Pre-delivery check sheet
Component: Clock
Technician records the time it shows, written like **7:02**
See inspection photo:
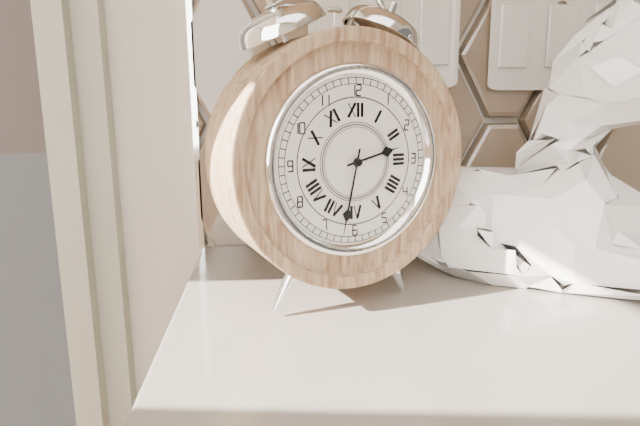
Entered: **2:32**
